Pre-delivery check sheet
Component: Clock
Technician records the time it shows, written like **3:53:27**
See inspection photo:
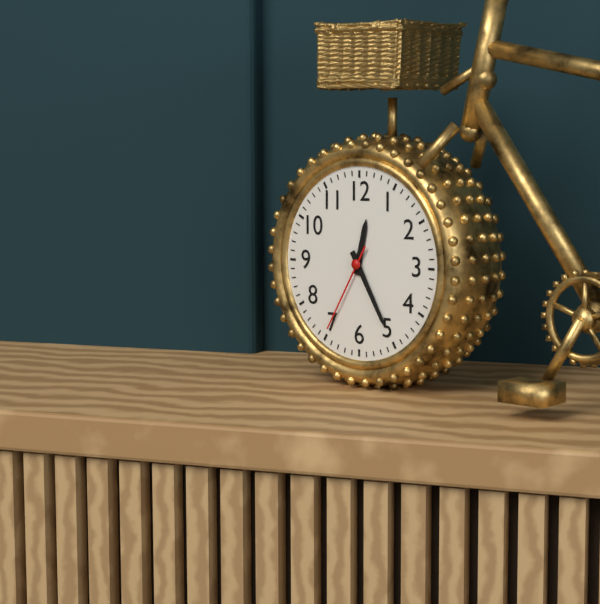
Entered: **12:25:35**
